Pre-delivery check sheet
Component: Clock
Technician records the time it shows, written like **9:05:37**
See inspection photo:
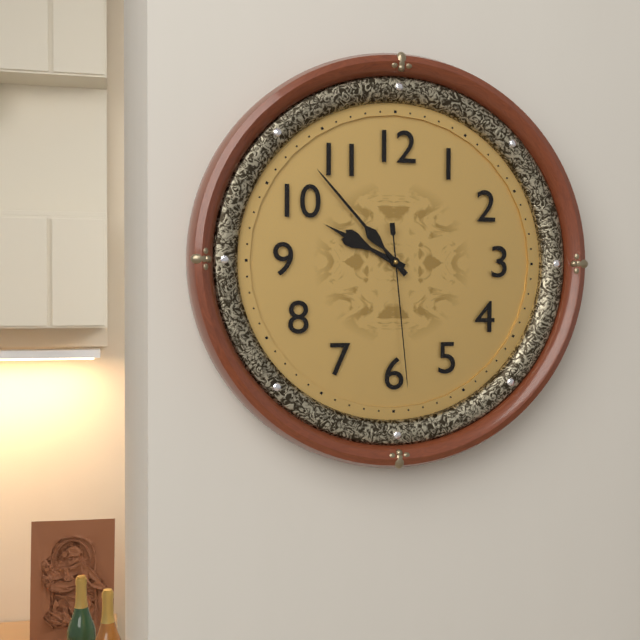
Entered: **9:53:29**
